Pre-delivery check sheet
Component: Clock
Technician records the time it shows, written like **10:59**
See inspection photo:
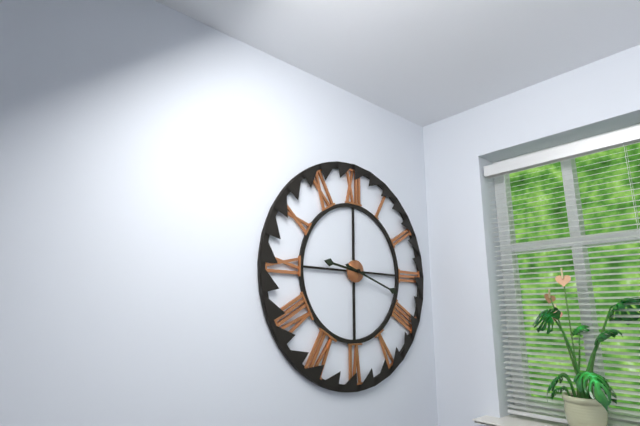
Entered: **9:18**
